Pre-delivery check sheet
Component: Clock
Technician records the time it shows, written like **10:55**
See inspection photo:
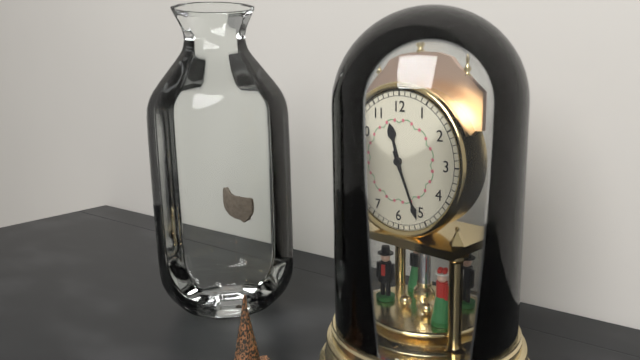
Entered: **11:26**
